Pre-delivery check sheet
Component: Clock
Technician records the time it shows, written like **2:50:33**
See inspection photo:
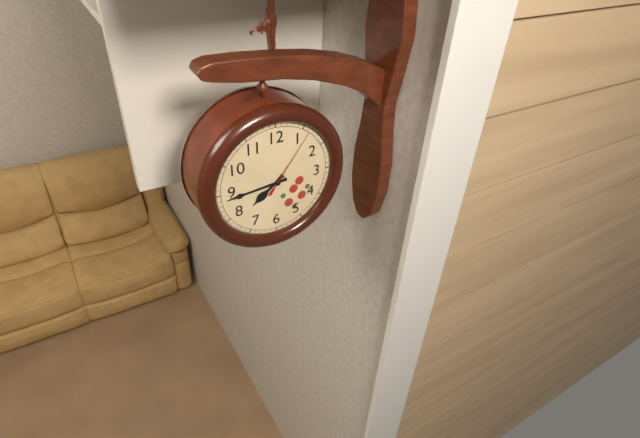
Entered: **7:44:06**
